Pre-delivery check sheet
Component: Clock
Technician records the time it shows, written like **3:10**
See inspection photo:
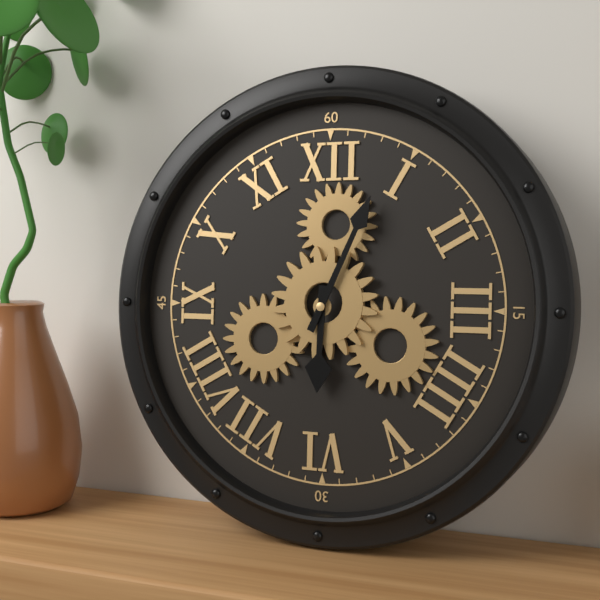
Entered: **6:04**
